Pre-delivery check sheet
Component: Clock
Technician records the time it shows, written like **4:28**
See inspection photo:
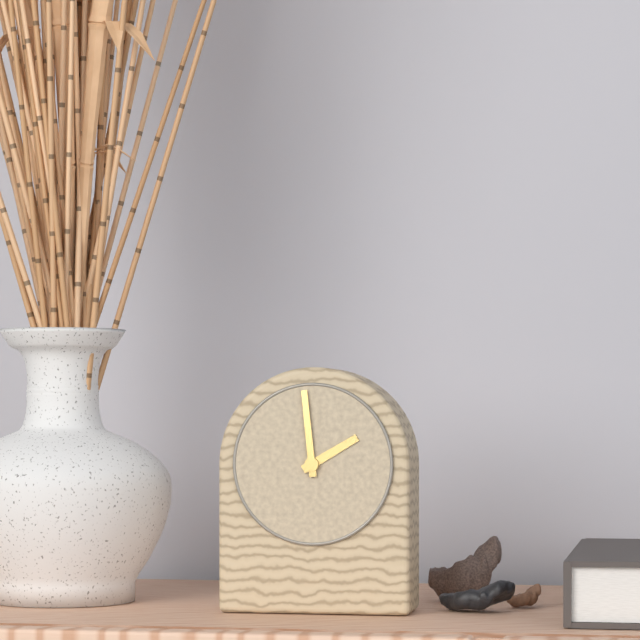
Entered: **1:59**
